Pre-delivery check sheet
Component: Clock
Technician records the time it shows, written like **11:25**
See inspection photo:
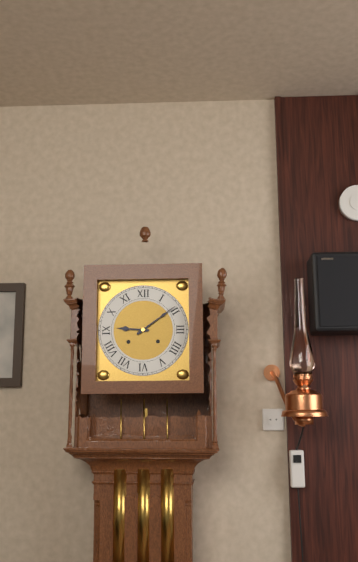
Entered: **9:09**
